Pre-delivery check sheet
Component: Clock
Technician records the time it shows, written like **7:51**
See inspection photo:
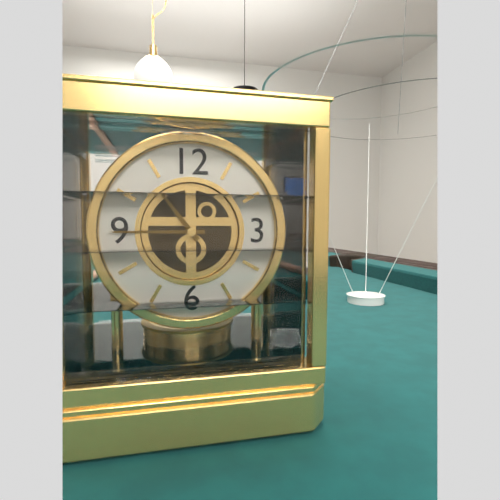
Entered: **10:45**
